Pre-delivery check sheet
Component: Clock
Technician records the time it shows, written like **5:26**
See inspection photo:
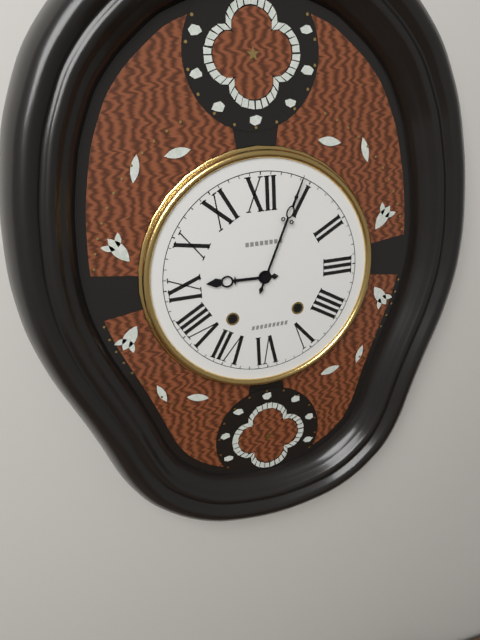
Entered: **9:04**
